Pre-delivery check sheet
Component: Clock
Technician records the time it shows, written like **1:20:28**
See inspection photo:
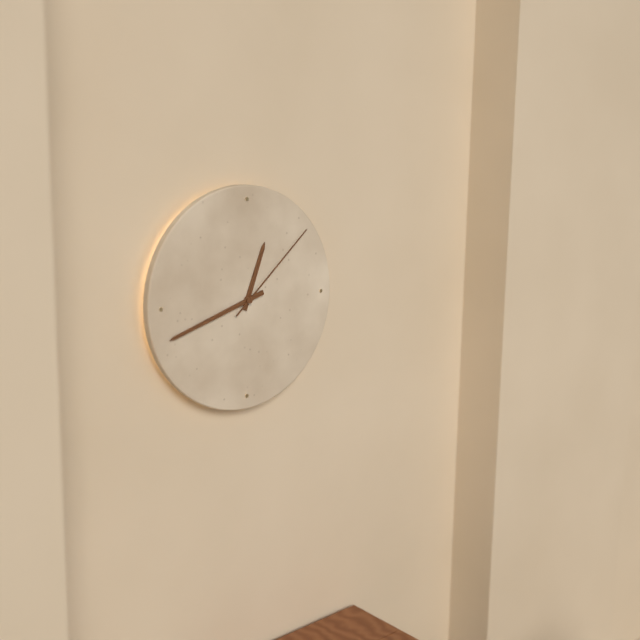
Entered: **12:42:08**
